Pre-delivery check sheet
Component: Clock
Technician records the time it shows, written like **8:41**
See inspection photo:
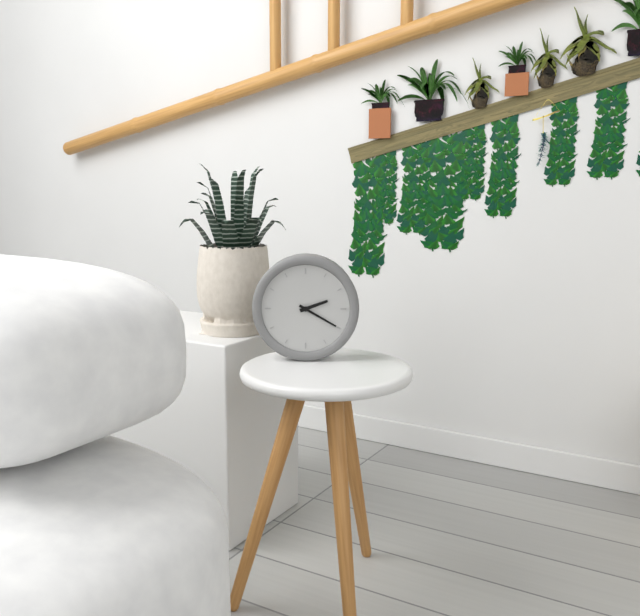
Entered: **2:20**
